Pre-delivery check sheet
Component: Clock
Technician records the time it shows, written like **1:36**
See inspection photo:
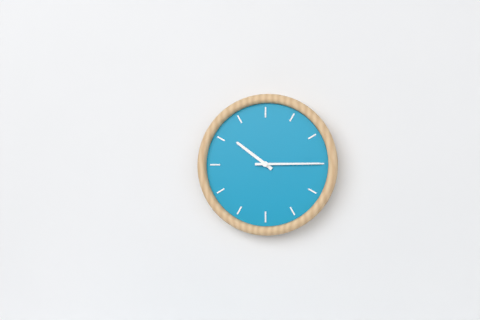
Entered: **10:15**
